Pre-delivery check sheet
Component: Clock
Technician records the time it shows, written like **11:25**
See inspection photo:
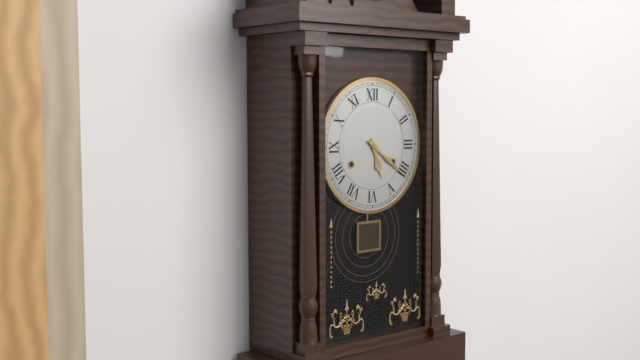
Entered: **5:21**
